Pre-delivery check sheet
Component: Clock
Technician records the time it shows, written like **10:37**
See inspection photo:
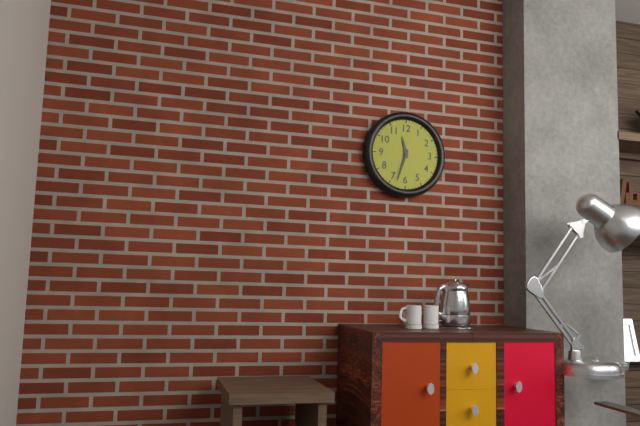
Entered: **11:33**
